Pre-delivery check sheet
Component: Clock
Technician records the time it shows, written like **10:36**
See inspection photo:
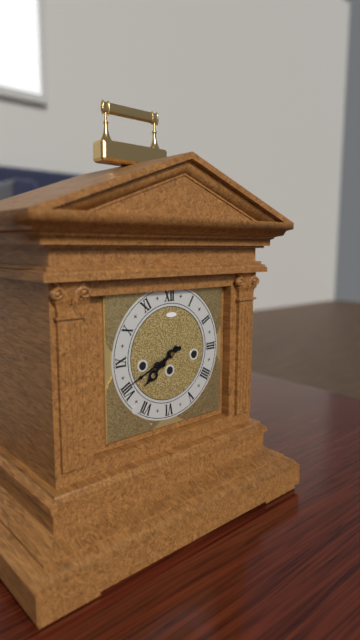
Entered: **7:41**
